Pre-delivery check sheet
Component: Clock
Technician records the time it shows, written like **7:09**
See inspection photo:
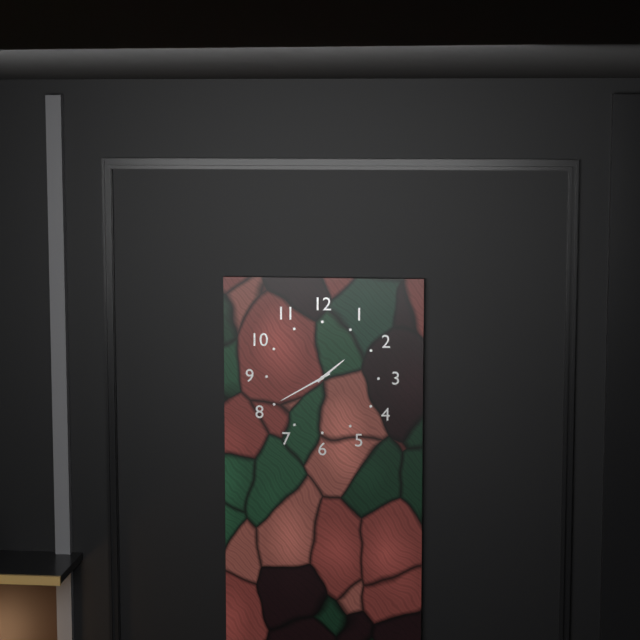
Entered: **1:40**
